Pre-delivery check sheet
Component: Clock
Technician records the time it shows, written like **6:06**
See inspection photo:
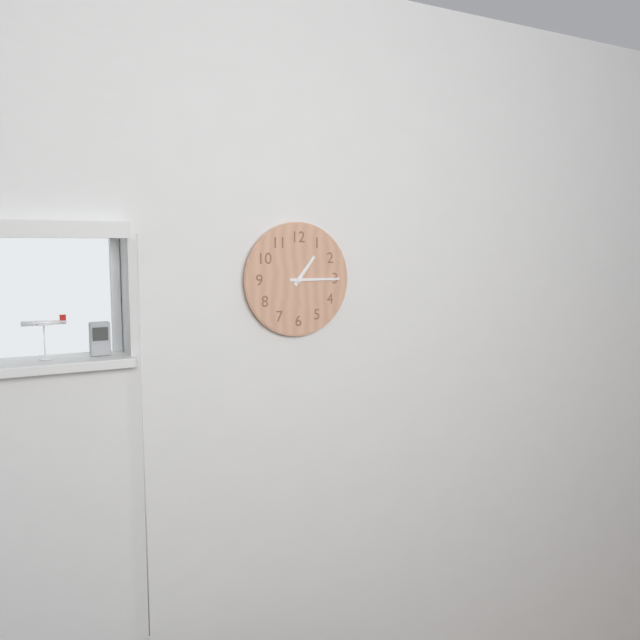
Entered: **1:15**
